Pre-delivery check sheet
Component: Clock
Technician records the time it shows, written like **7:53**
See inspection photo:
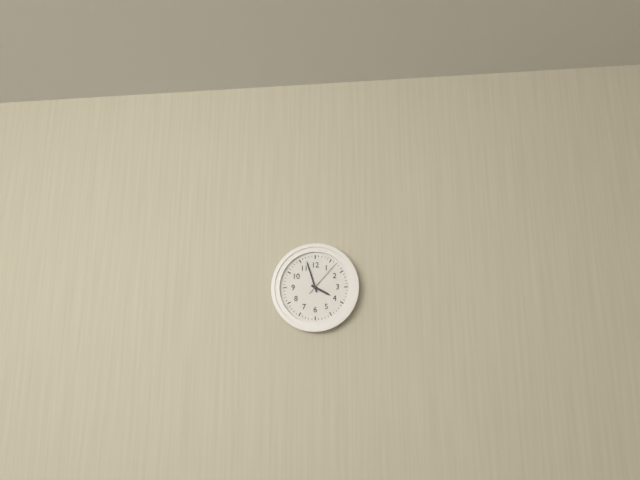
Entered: **3:57**
